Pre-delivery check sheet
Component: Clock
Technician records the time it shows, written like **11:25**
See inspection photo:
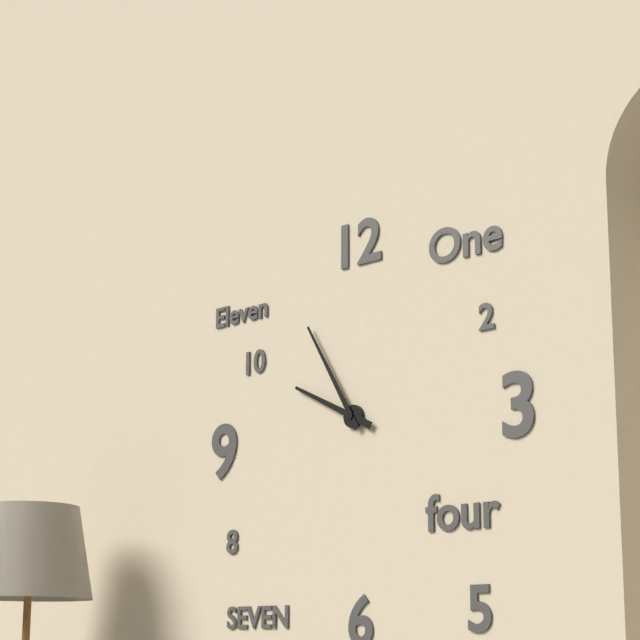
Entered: **9:55**
